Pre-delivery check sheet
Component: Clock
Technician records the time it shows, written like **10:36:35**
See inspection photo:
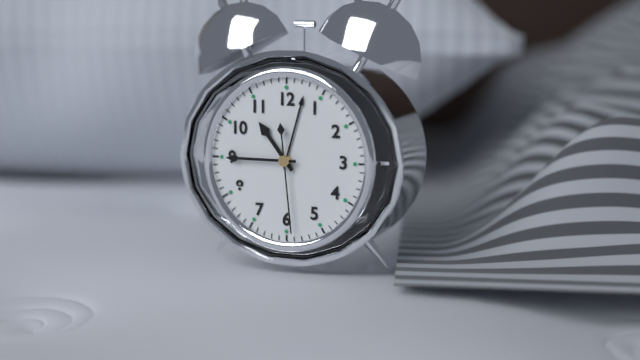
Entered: **10:45:29**
